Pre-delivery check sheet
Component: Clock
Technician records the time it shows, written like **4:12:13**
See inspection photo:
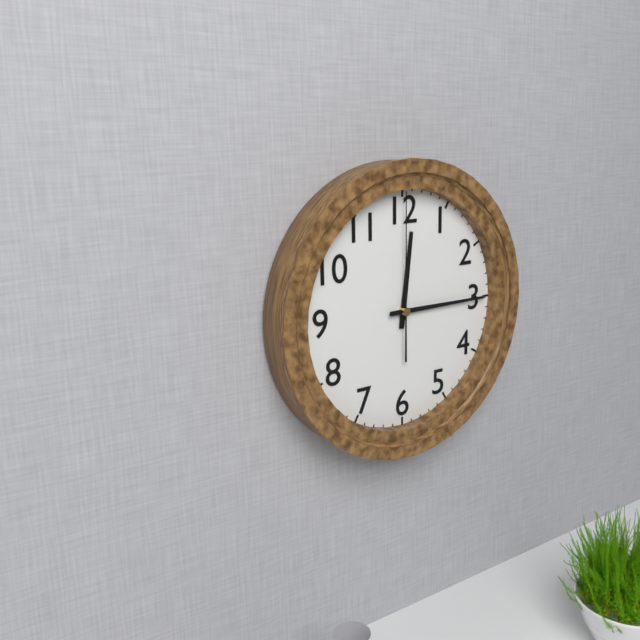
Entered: **12:15:00**
